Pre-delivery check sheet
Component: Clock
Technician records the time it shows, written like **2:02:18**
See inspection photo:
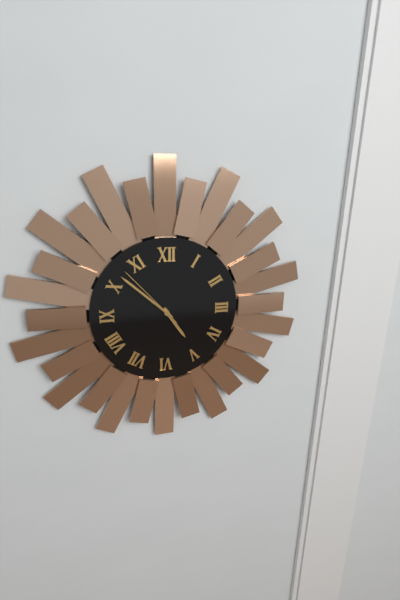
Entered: **4:52:53**
